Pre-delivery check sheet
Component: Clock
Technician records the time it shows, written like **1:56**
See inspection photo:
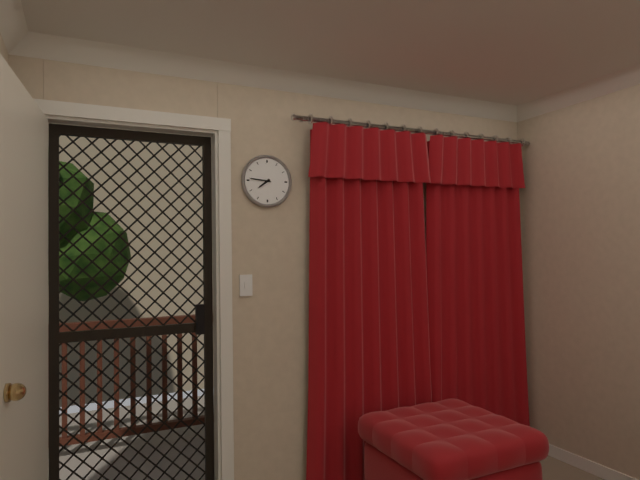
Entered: **7:46**
